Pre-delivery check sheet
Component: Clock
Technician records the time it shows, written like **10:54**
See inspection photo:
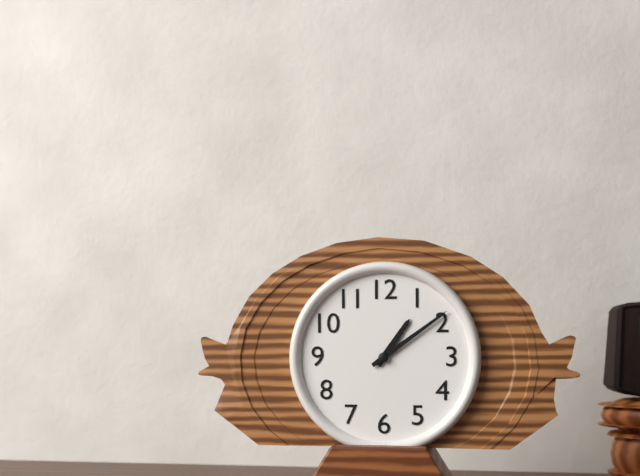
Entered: **1:09**
